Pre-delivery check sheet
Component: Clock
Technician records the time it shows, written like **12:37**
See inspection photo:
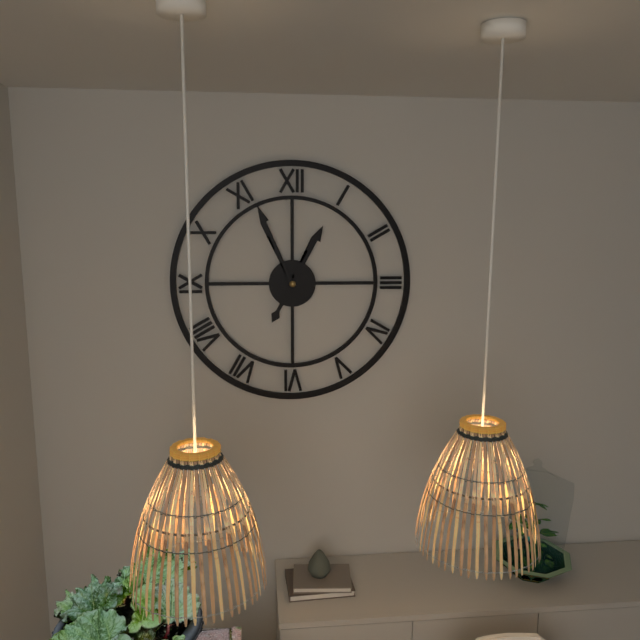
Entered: **12:56**
